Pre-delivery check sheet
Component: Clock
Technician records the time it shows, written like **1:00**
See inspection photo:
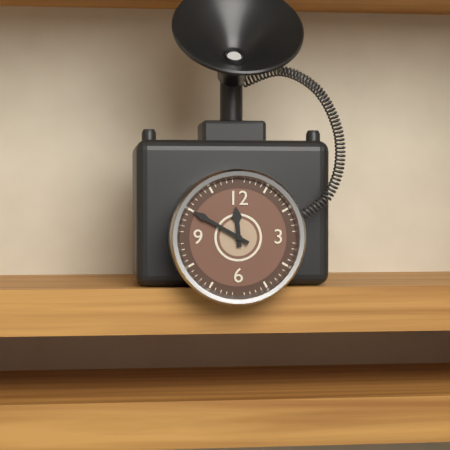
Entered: **11:50**
